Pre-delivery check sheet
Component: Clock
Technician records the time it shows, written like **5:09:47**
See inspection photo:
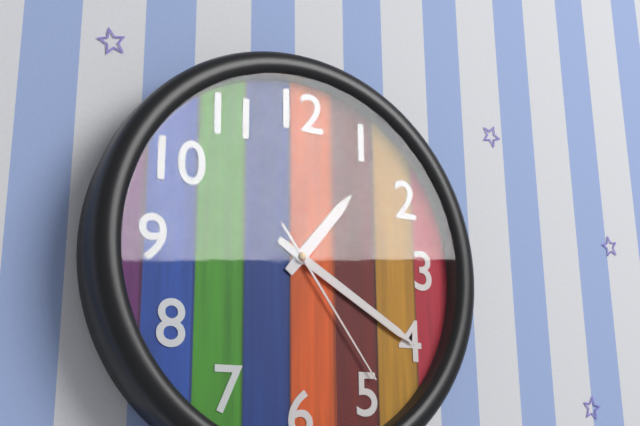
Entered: **1:20:24**
